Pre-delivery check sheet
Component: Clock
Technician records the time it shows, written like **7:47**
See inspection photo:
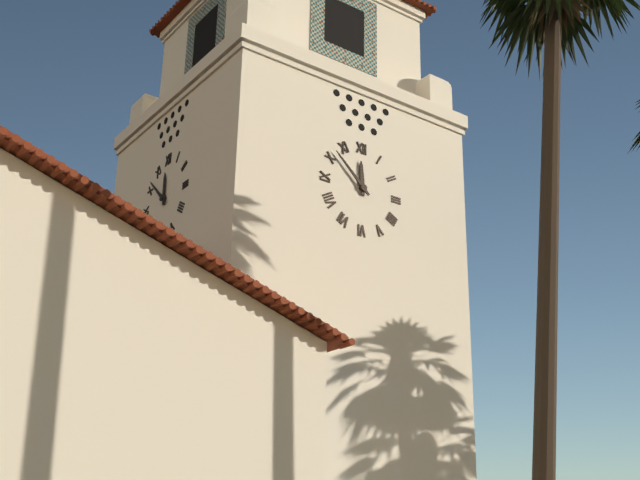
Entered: **11:52**
